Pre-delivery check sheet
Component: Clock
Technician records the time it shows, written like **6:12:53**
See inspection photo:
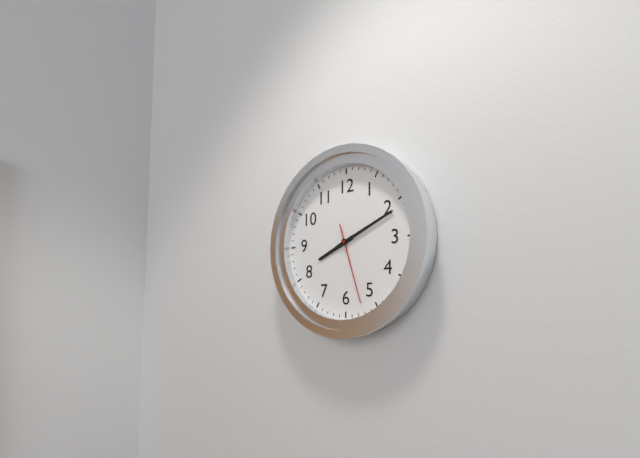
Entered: **8:11:27**
